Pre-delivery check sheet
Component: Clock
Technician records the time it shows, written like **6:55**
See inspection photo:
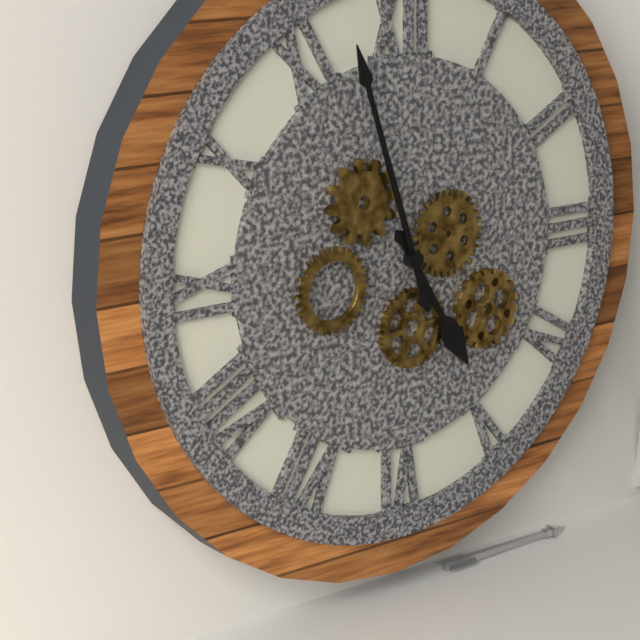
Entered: **4:57**
